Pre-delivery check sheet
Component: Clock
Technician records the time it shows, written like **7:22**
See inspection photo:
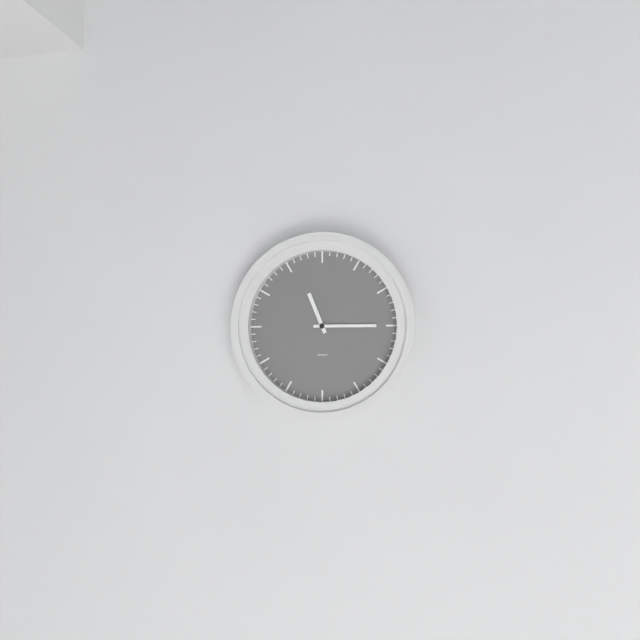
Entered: **11:15**
